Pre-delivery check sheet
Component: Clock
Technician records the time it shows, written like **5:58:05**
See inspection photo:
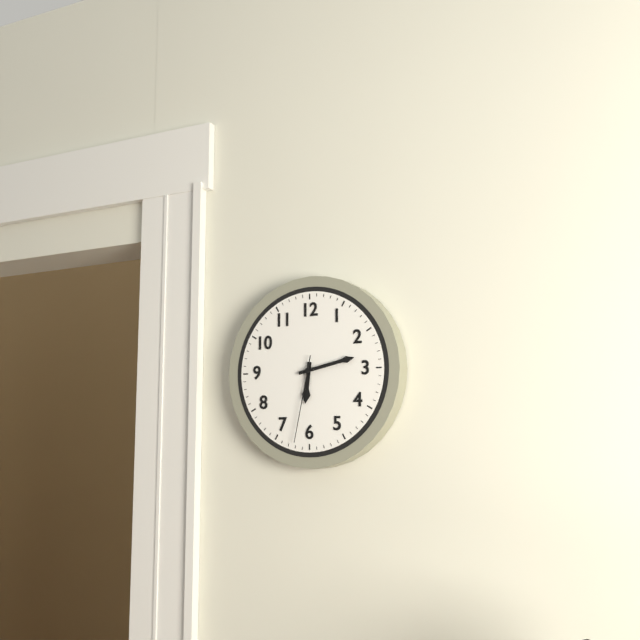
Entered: **6:13:32**
